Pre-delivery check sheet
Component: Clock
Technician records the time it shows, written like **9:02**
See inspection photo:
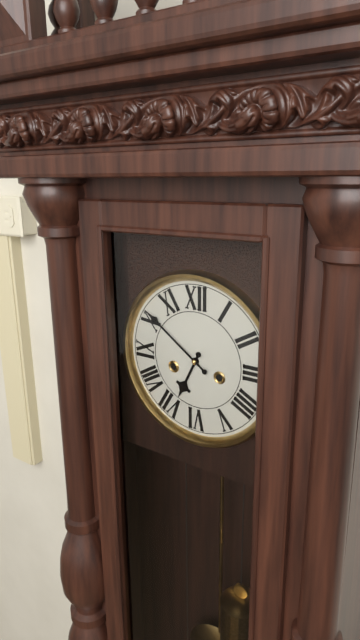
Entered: **6:51**
